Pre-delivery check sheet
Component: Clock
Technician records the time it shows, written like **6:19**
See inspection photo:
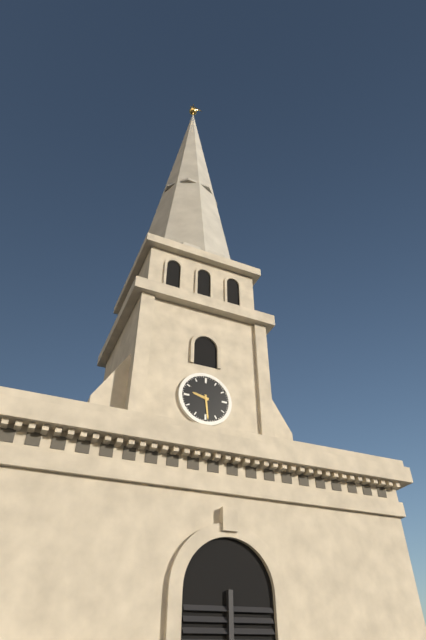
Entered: **9:29**
